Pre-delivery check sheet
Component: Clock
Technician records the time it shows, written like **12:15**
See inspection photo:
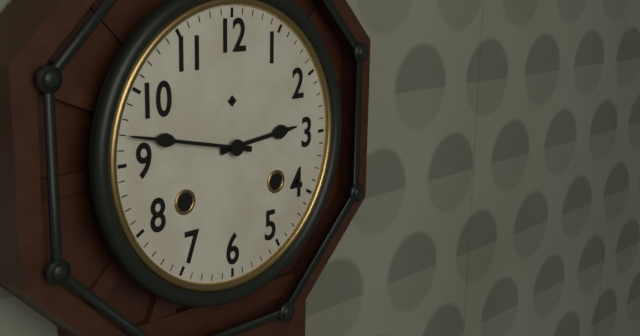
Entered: **2:47**
